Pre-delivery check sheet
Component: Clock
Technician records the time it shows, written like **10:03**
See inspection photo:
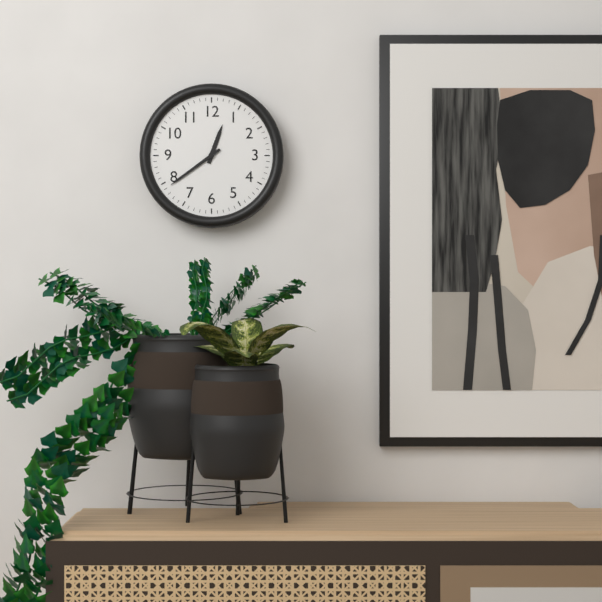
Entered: **12:39**
